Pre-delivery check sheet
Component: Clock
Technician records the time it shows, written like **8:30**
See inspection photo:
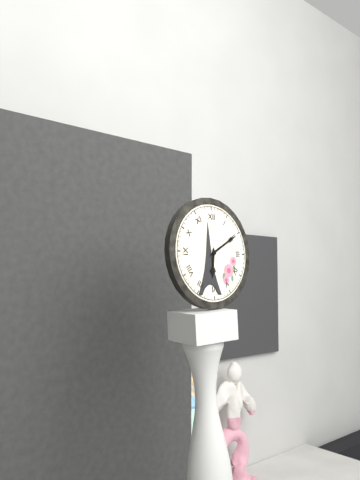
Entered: **6:10**
